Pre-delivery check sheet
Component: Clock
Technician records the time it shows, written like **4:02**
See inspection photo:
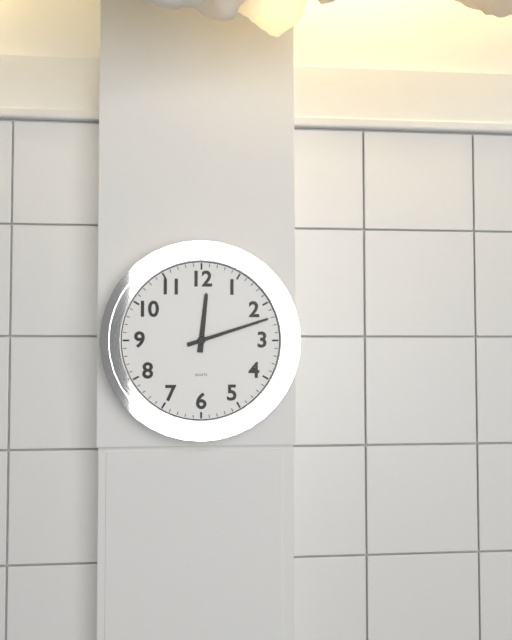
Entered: **12:12**
